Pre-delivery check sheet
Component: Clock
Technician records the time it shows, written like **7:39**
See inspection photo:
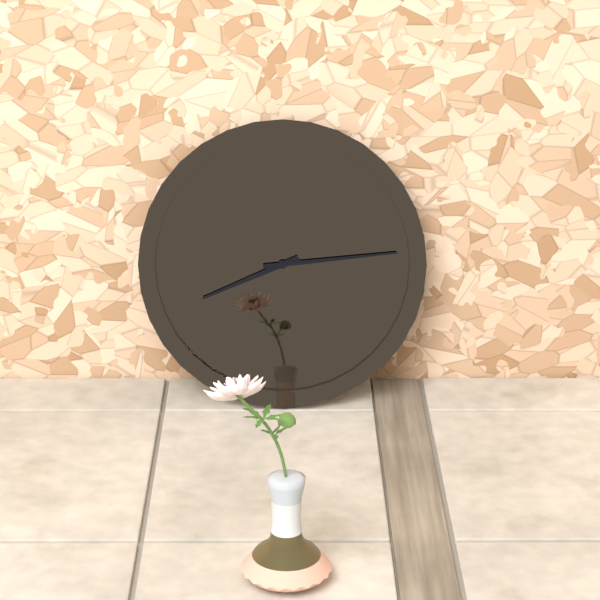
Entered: **8:14**
